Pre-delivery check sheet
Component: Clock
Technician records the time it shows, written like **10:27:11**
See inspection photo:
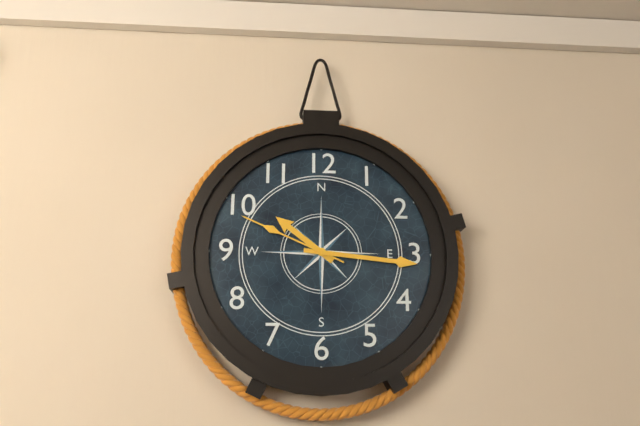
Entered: **10:16:49**
